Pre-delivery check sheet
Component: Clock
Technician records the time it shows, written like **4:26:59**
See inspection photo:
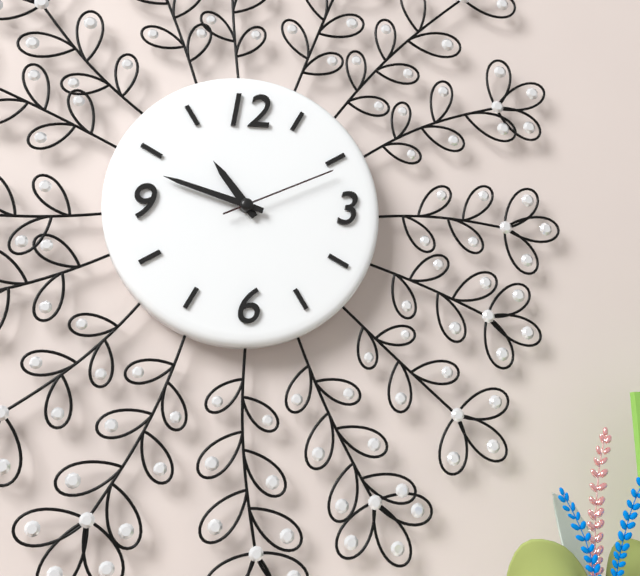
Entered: **10:48:11**
